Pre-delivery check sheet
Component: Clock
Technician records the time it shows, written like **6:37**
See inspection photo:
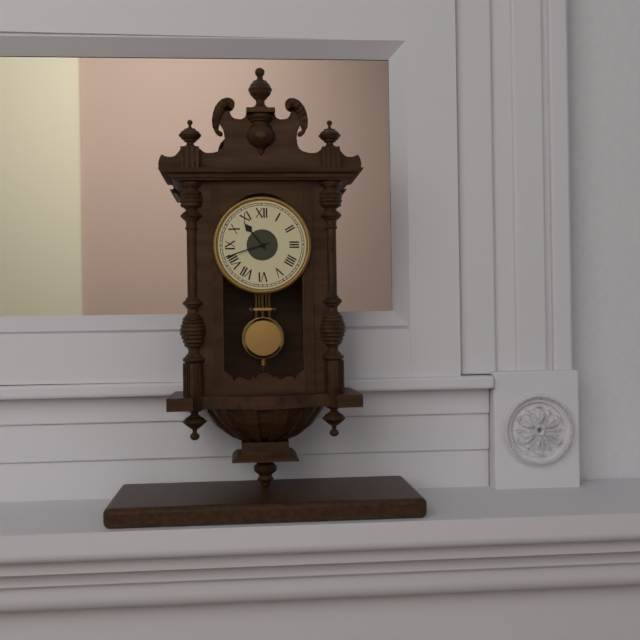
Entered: **10:42**
